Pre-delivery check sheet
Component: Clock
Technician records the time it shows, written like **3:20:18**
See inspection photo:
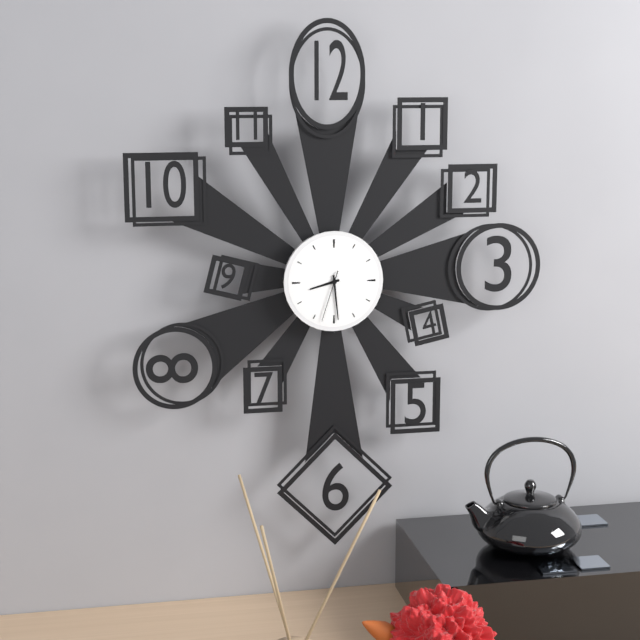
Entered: **8:29:33**
